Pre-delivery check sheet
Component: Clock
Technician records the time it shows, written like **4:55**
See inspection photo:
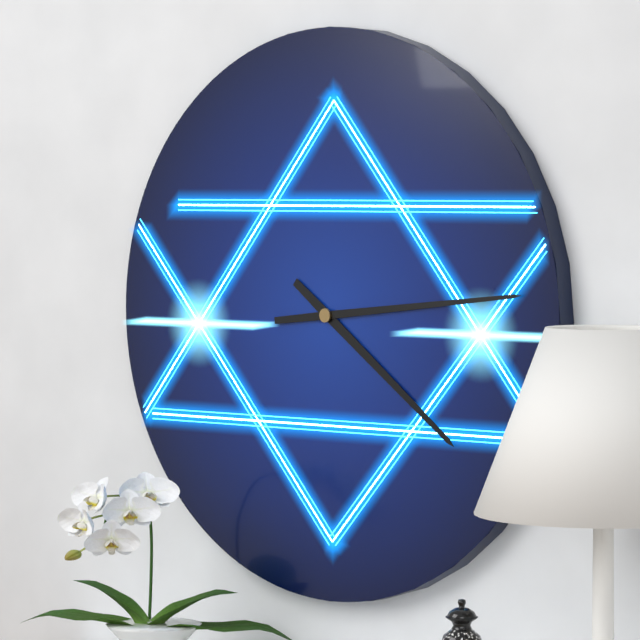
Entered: **4:14**
